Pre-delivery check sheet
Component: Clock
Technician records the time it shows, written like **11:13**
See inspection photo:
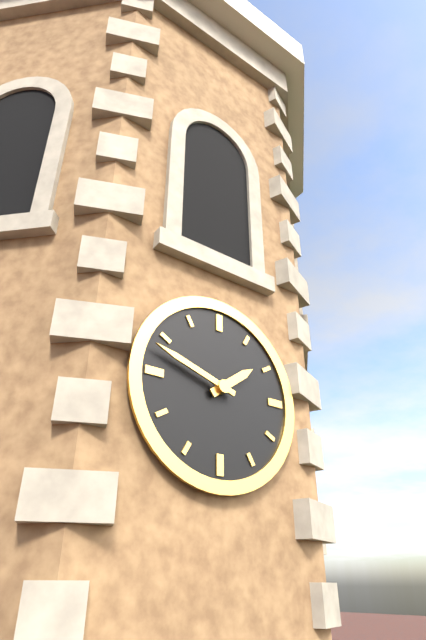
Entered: **1:48**
